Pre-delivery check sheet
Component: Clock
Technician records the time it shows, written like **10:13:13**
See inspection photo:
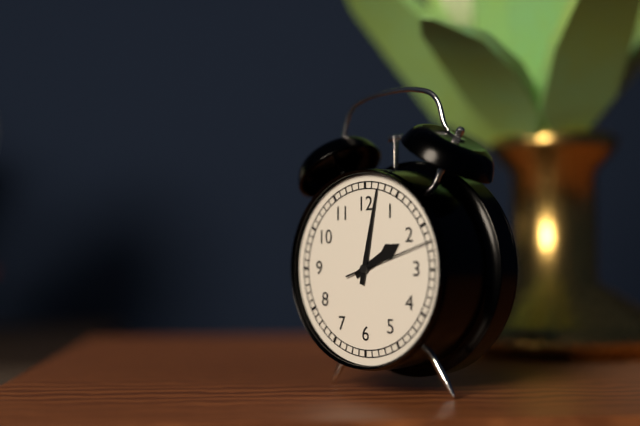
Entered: **2:02:12**
